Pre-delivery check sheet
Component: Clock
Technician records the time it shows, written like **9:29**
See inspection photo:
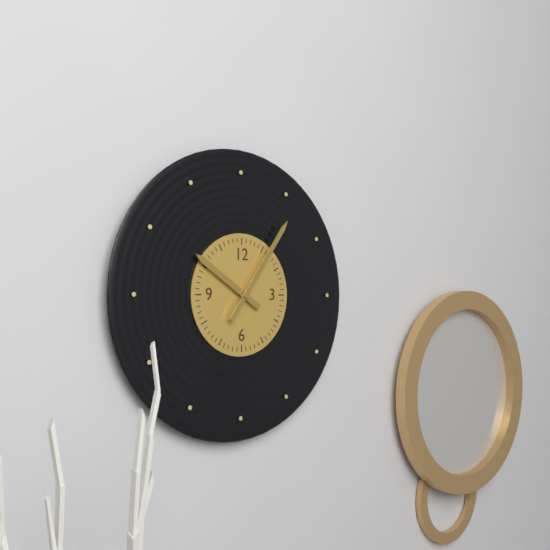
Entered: **10:06**
